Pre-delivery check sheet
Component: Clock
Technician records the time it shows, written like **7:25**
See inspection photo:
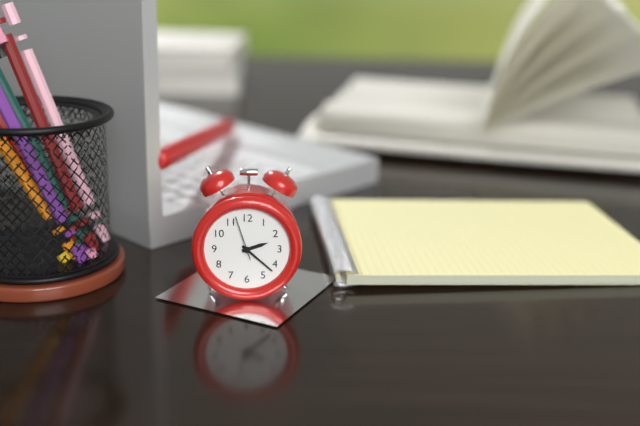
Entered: **2:22**
